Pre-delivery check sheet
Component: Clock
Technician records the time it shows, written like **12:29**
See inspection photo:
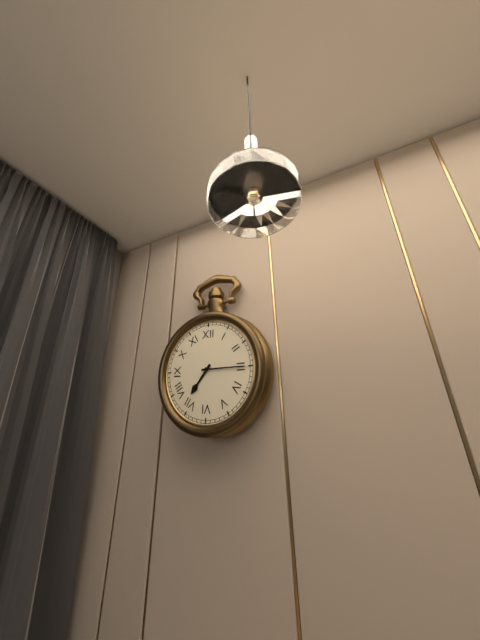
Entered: **7:15**
